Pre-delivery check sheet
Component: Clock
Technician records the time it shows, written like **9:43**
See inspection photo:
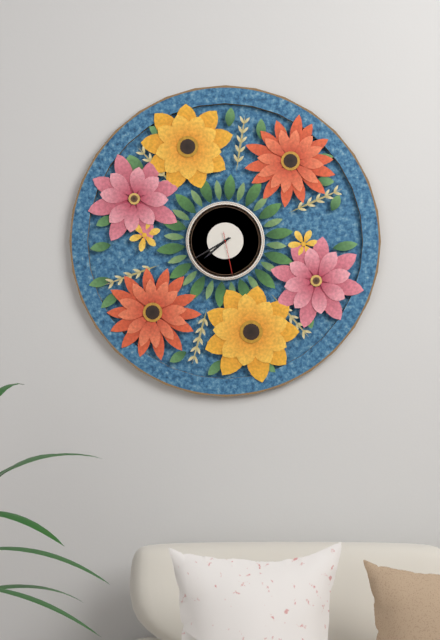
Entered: **7:40**
